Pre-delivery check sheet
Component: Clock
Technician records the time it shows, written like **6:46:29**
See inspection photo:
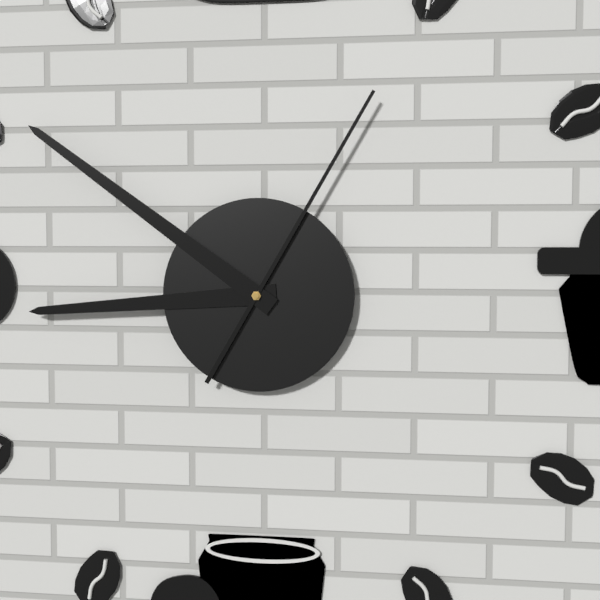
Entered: **8:51:05**
